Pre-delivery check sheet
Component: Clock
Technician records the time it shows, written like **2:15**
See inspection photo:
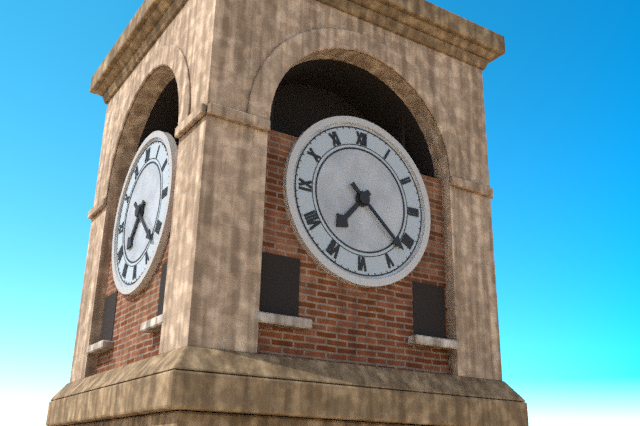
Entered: **7:22**
